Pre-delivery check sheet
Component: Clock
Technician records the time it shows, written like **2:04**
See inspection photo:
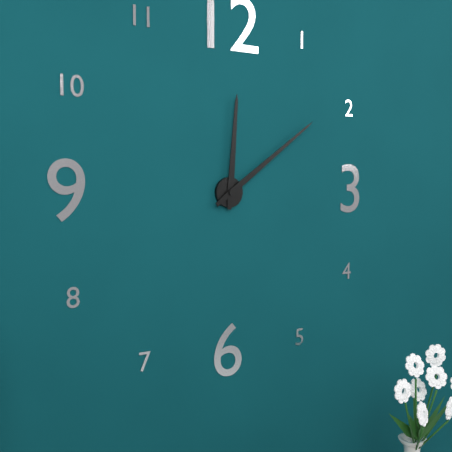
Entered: **12:09**
